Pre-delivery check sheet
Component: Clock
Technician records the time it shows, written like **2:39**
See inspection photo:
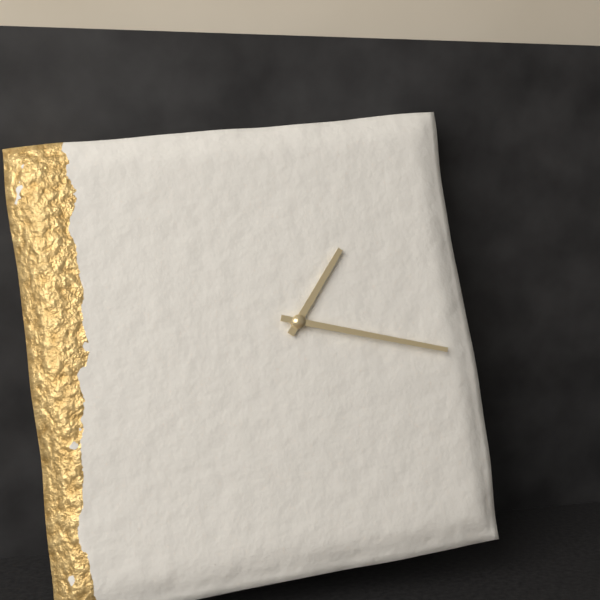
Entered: **1:18**
